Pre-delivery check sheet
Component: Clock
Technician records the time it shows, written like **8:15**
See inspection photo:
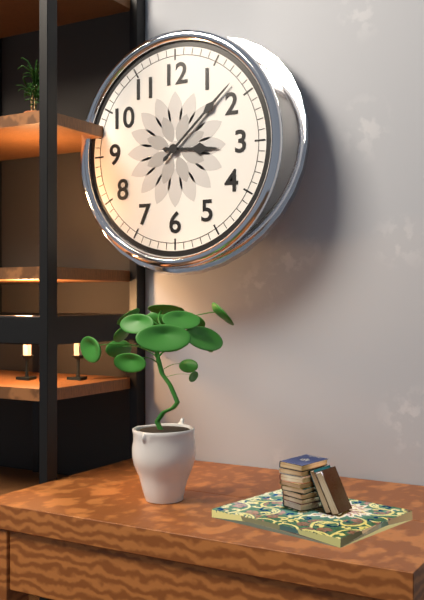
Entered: **3:08**
